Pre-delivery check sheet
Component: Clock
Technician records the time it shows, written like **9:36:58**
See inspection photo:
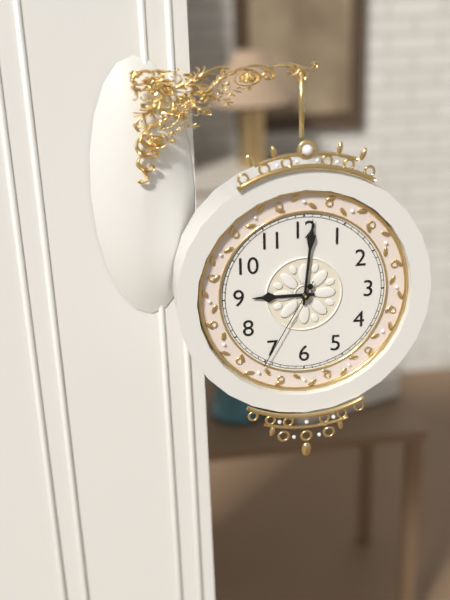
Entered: **9:01:35**
